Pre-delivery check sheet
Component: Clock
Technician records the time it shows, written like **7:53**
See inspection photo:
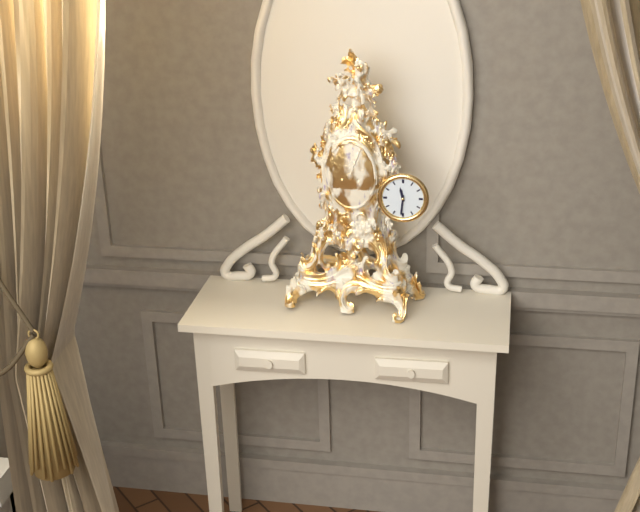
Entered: **11:31**
